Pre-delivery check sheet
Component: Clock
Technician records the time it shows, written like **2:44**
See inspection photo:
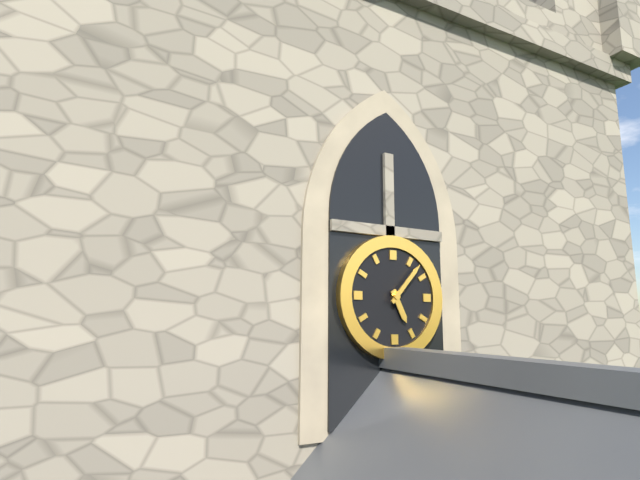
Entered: **5:07**
